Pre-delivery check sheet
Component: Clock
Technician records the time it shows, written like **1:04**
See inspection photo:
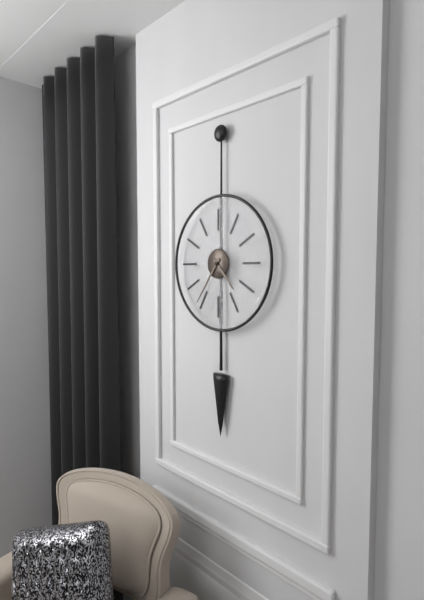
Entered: **4:36**
